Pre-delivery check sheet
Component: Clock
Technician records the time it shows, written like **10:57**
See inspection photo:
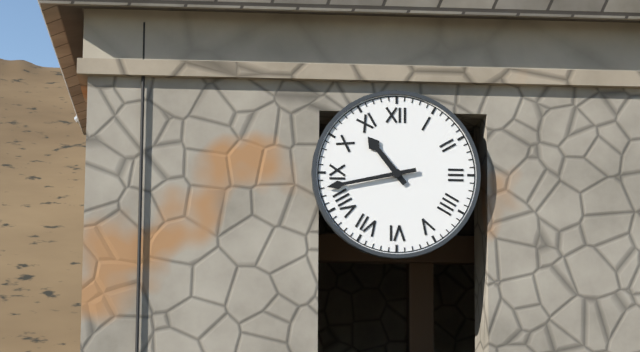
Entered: **10:43**
